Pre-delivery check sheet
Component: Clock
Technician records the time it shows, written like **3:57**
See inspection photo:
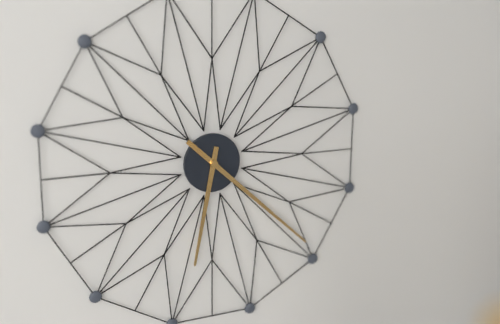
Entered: **6:22**
